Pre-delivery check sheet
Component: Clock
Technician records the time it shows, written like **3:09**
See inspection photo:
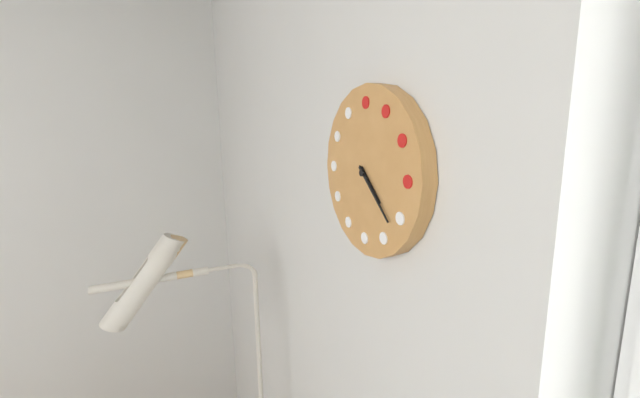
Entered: **4:22**
